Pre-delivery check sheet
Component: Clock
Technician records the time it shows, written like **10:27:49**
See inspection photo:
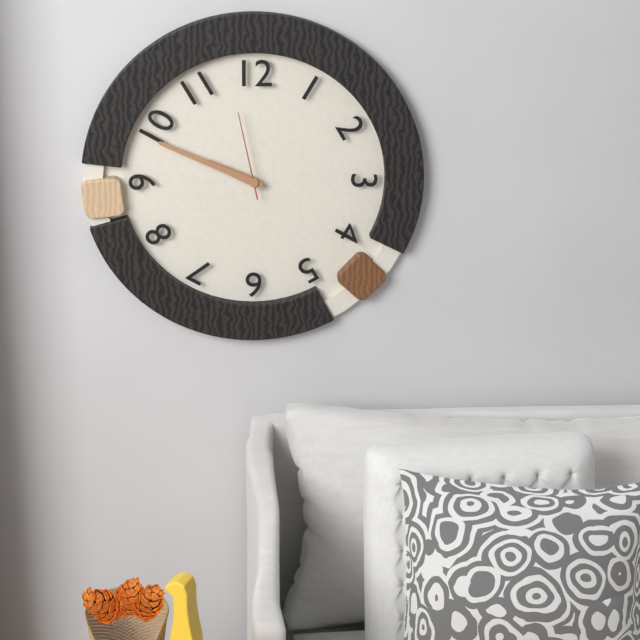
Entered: **9:49:58**
